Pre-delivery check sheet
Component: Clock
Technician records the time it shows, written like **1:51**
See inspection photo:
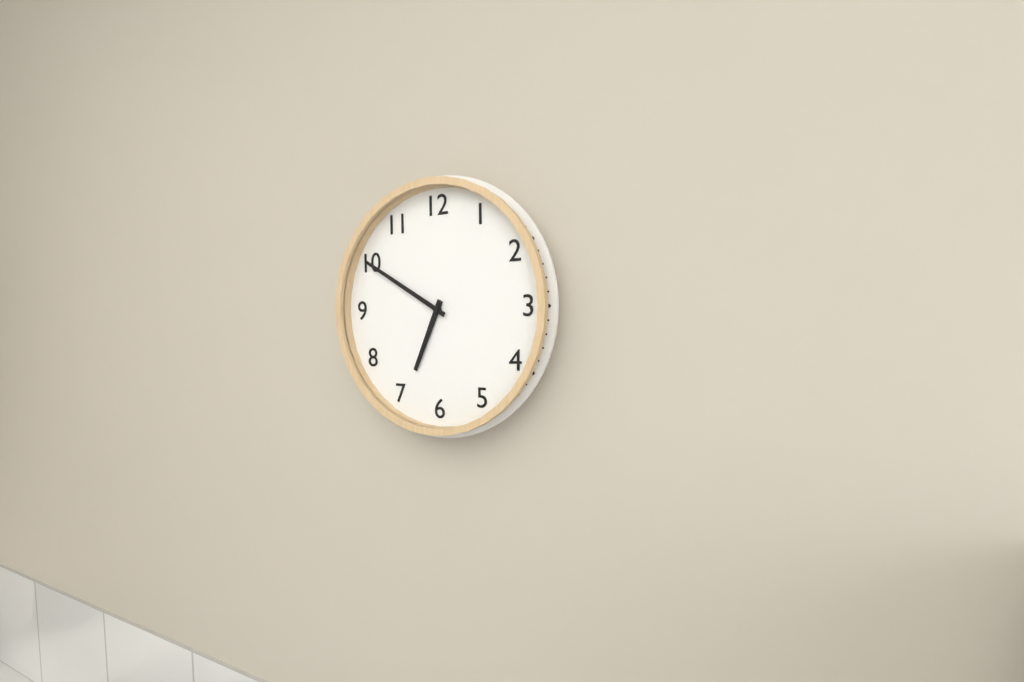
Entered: **6:50**
